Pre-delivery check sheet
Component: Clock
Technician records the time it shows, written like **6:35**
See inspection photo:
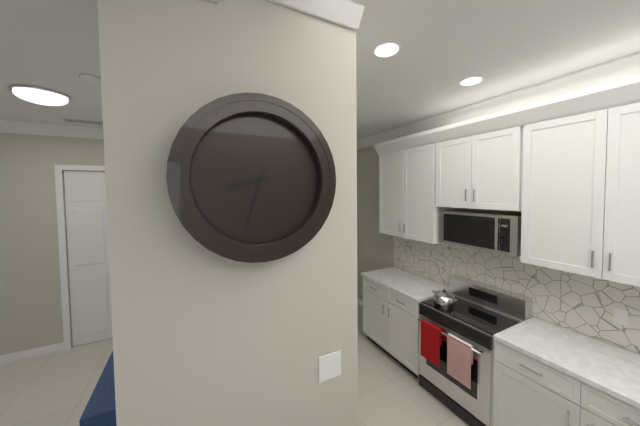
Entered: **8:33**
